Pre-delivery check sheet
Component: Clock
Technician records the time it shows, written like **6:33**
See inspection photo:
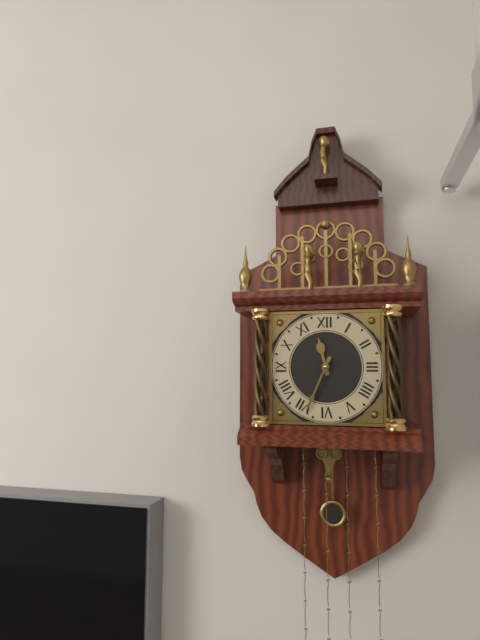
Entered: **11:34**
